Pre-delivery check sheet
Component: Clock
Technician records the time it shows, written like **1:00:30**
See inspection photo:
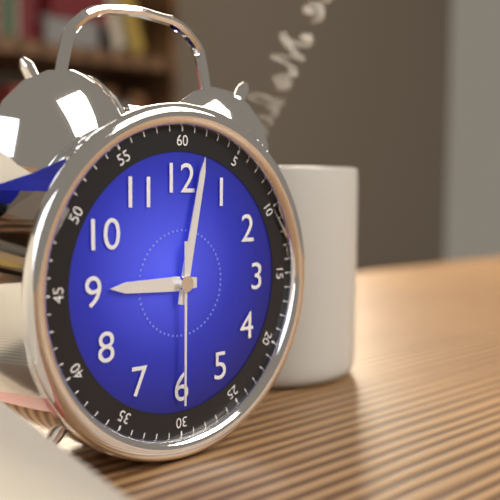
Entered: **9:02:30**
